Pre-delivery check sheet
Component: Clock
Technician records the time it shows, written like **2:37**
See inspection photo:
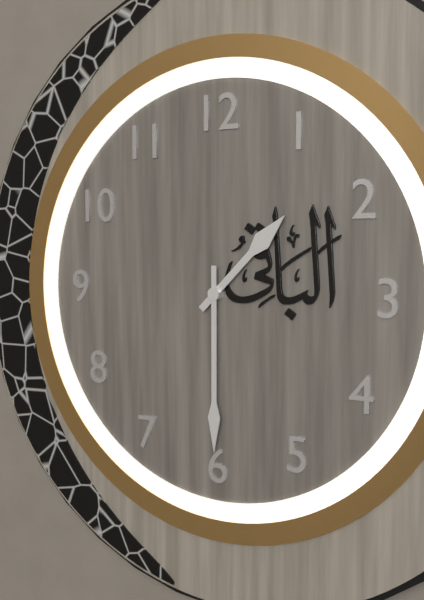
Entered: **1:30**
